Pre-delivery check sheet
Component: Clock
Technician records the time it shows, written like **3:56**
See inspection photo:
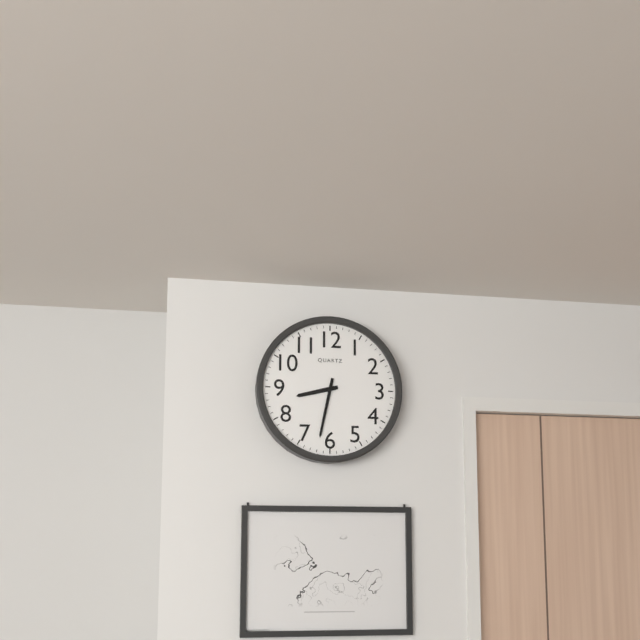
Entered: **8:32**
